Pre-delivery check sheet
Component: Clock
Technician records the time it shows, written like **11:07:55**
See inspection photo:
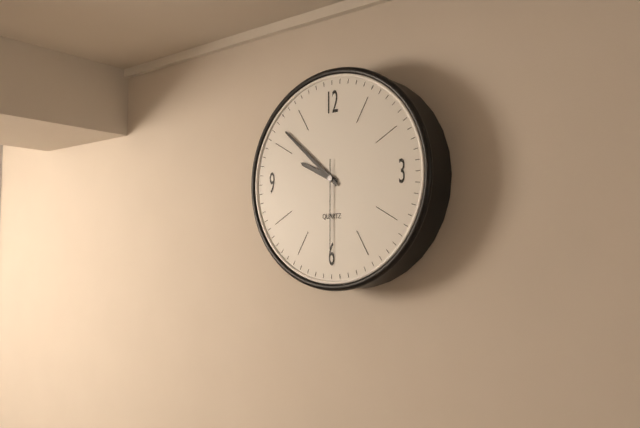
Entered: **9:52:30**
